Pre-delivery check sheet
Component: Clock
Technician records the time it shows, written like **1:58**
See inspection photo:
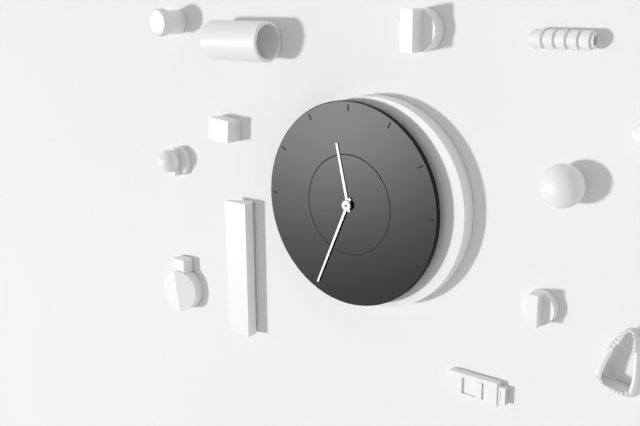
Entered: **11:34**
